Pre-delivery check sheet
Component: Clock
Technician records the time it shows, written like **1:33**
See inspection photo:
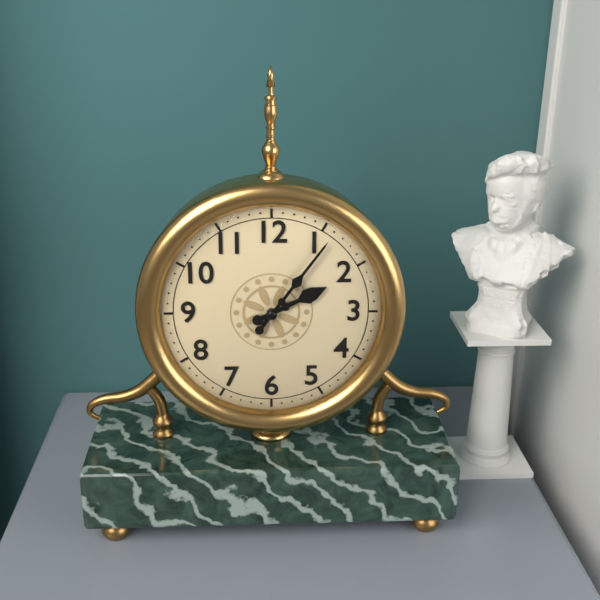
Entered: **2:06**
